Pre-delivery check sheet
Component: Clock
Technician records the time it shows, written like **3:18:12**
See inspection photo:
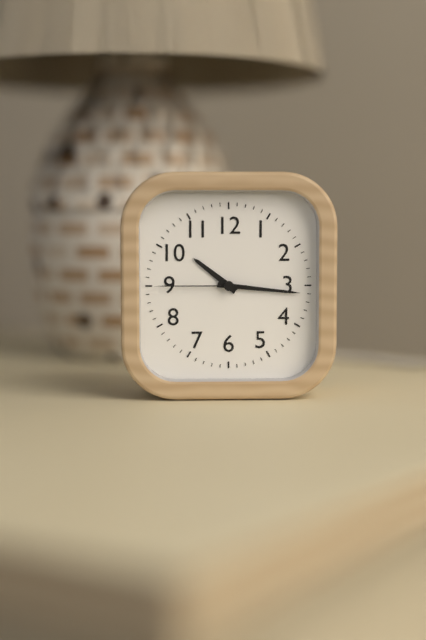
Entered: **10:16:45**
